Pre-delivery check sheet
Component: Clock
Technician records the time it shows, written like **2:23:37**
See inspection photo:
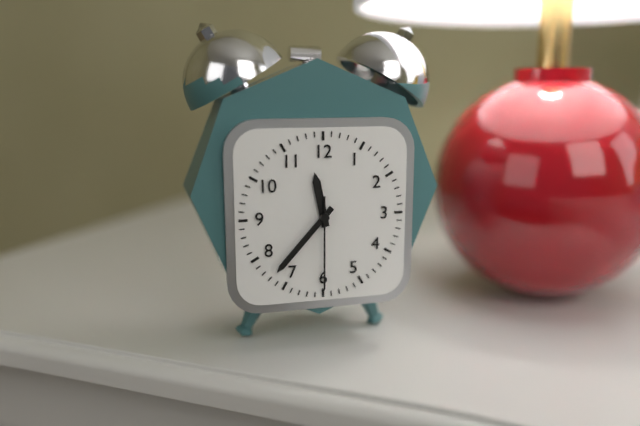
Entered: **11:37:30**
